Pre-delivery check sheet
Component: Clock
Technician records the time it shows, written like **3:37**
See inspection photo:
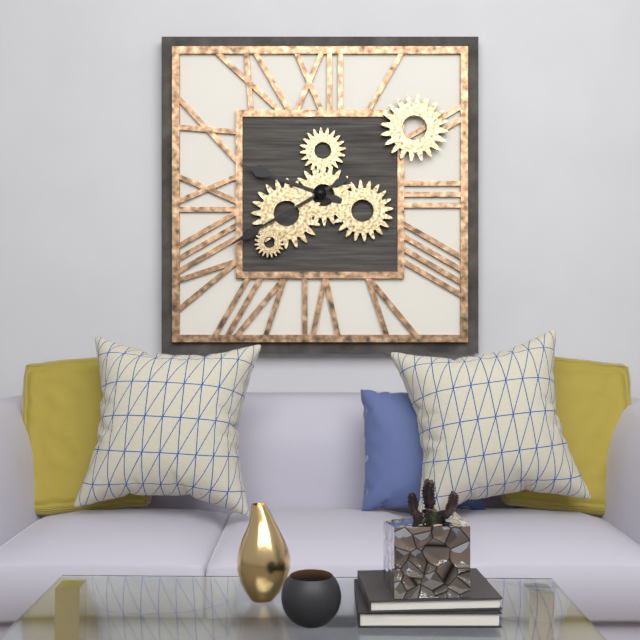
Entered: **9:40**
